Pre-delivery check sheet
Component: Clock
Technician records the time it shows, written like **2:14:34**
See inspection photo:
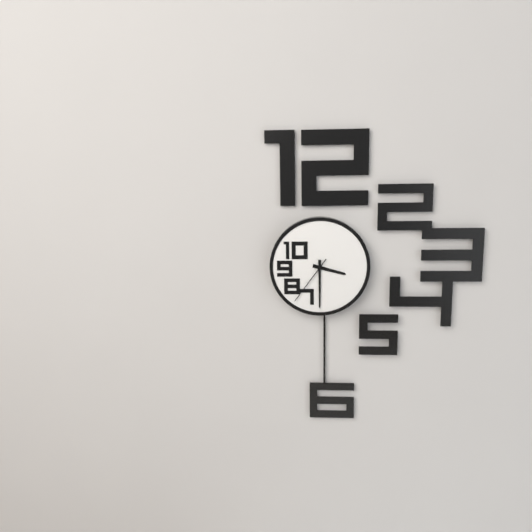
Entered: **3:30:36**
